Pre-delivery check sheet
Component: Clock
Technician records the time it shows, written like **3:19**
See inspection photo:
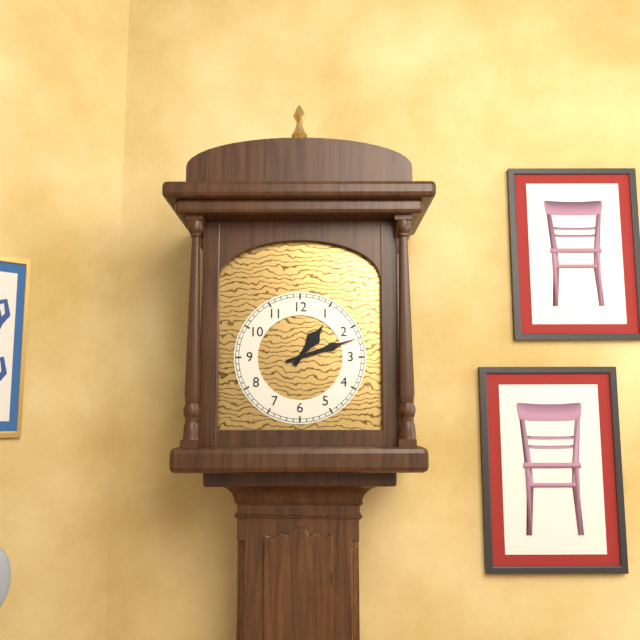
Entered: **1:12**
